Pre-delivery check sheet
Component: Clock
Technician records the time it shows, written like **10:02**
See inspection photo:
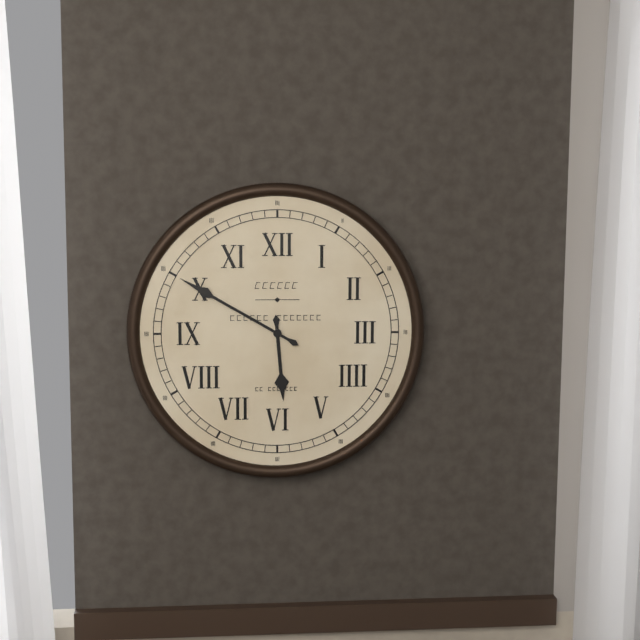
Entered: **5:50**
